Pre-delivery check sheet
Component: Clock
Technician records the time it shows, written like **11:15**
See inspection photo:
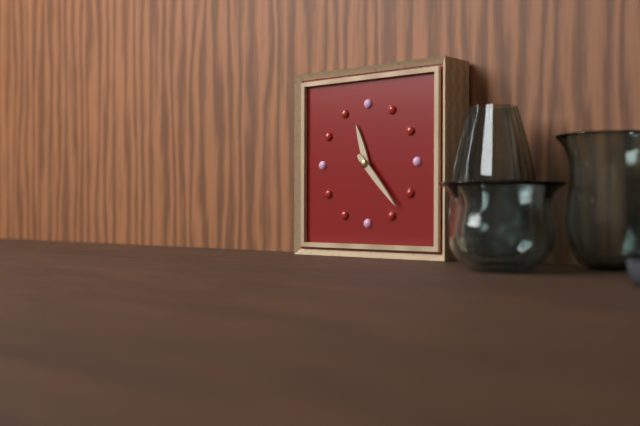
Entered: **11:23**
